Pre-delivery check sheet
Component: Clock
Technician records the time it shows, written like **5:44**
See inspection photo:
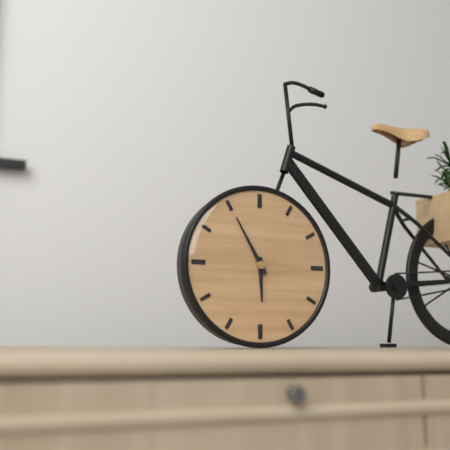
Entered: **5:55**
